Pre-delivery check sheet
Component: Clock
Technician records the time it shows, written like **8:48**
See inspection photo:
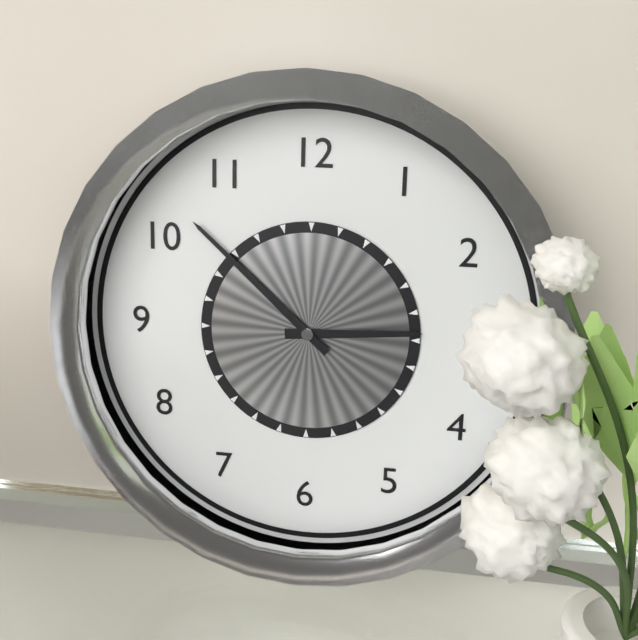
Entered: **2:52**
